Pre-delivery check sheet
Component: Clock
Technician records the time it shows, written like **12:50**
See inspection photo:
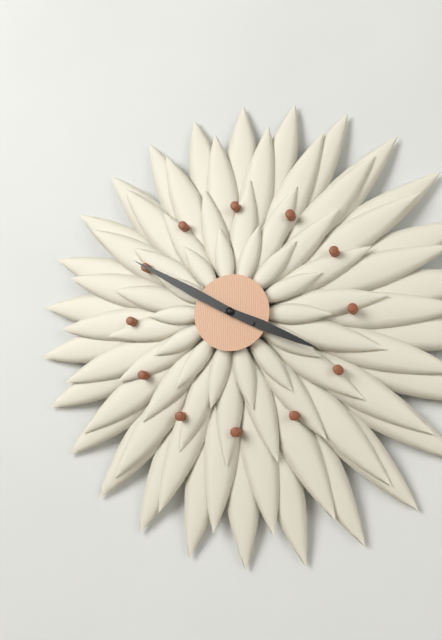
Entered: **3:50**
